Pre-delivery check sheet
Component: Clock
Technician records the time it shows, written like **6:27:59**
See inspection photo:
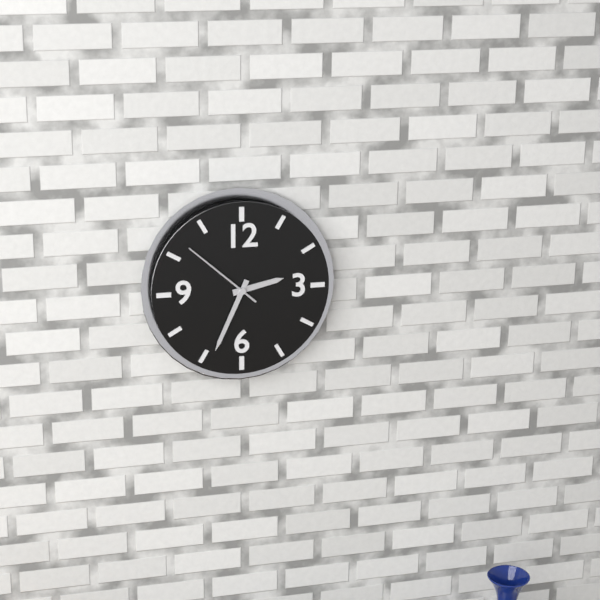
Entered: **2:34:52**
